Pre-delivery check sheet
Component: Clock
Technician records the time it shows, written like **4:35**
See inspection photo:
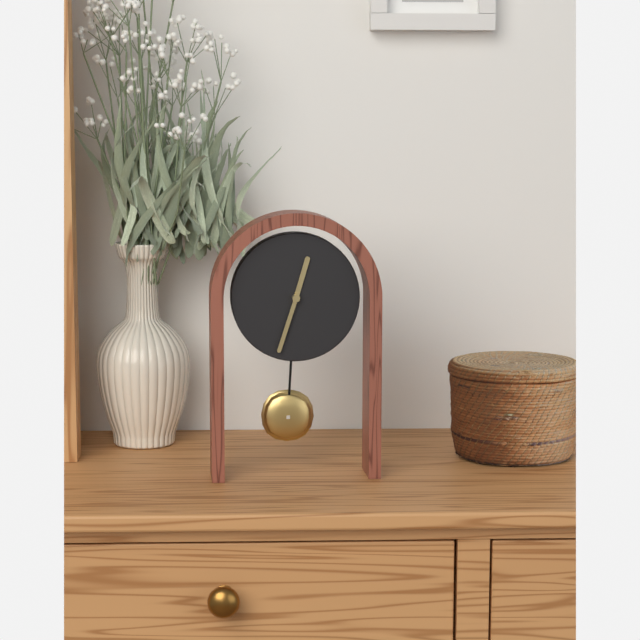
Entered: **12:33**
